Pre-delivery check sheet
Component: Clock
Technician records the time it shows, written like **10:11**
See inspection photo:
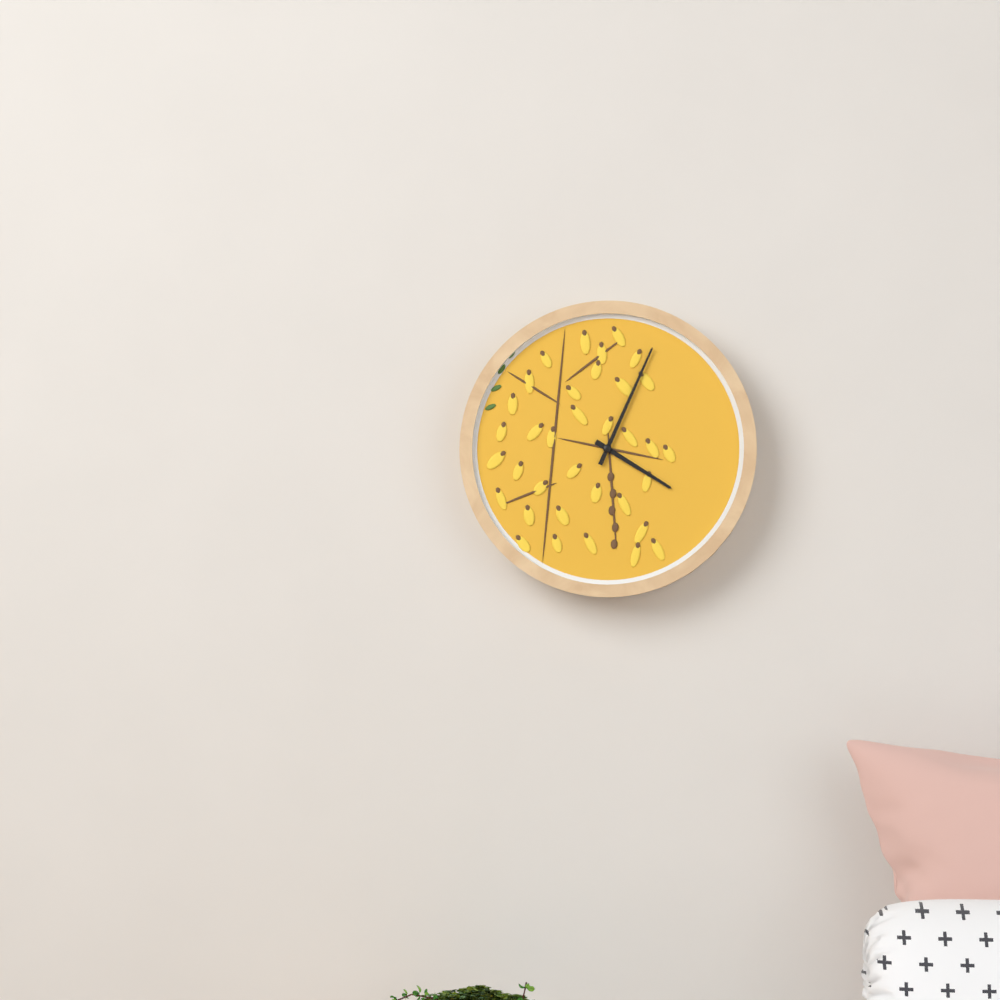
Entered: **4:04**
